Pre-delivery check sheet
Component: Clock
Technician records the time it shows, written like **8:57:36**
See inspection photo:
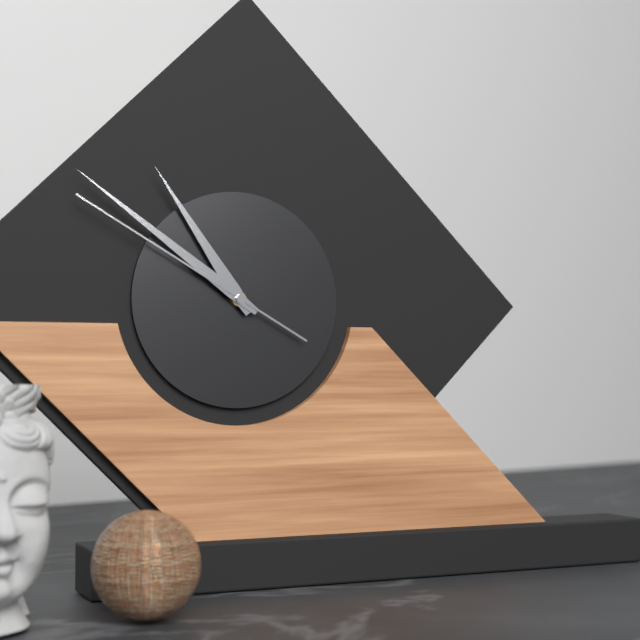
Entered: **10:51:50**
